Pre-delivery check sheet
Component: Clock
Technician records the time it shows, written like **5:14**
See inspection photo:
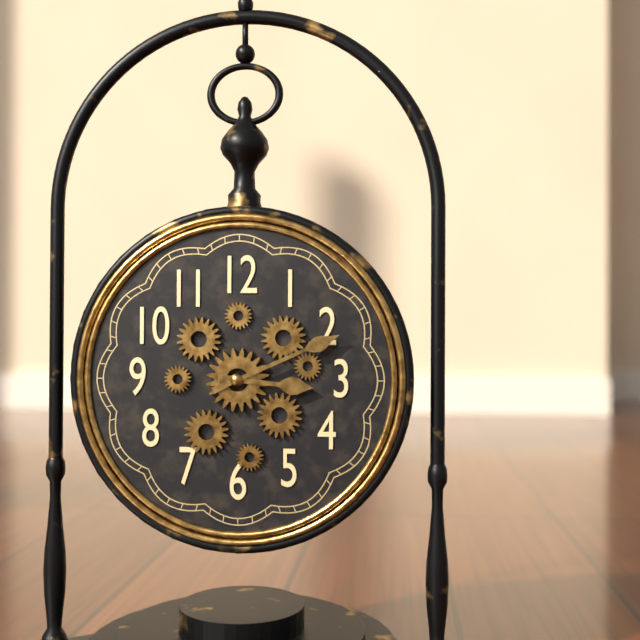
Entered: **3:11**
